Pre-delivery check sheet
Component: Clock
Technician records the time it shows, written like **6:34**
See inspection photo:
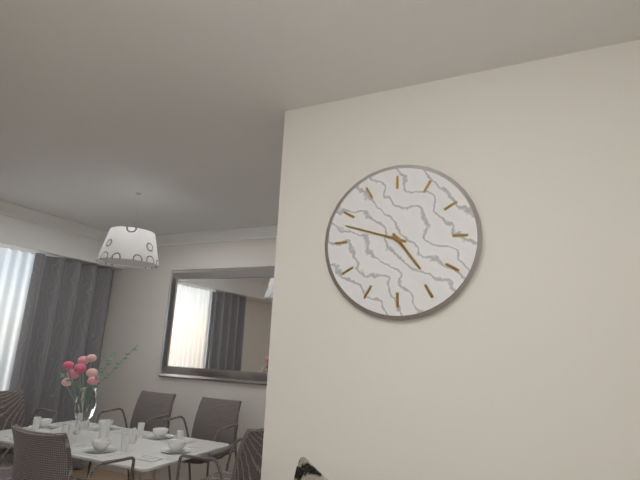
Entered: **4:48**
